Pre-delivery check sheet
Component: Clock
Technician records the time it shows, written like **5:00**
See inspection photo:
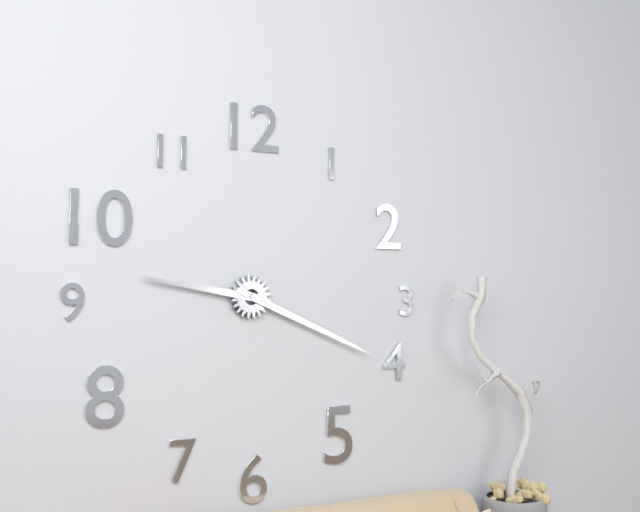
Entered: **9:19**
